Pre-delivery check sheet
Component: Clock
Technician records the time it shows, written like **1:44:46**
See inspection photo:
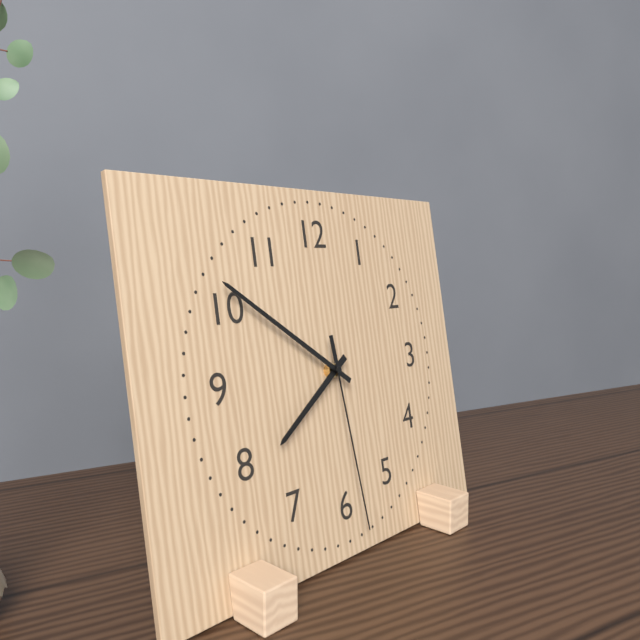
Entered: **7:51:29**
